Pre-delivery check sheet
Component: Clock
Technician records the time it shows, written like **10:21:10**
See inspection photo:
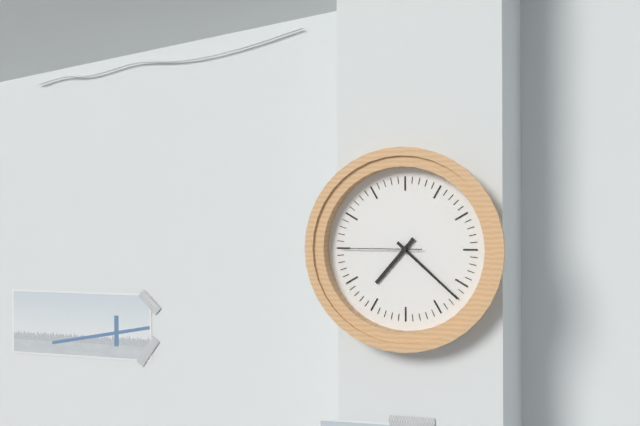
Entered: **7:22:45**
